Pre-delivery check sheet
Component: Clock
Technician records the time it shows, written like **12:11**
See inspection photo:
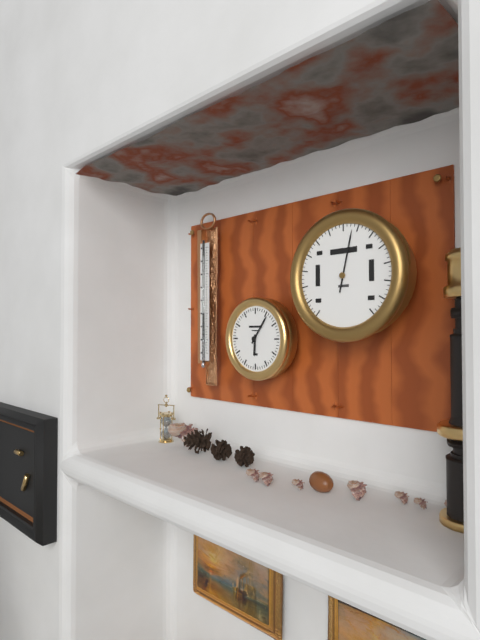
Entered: **6:06**
